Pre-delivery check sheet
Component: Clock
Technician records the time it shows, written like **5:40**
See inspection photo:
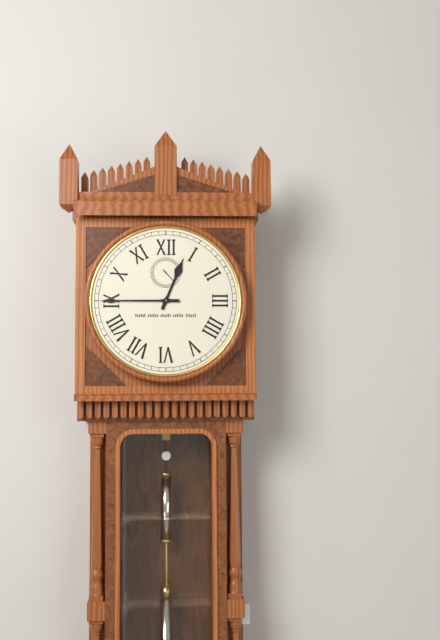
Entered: **12:45**
